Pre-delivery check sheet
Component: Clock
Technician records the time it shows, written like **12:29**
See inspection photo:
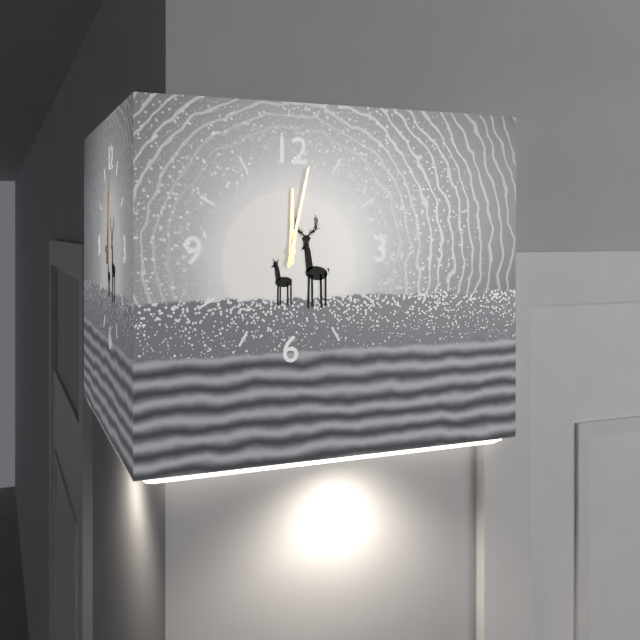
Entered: **12:02**
